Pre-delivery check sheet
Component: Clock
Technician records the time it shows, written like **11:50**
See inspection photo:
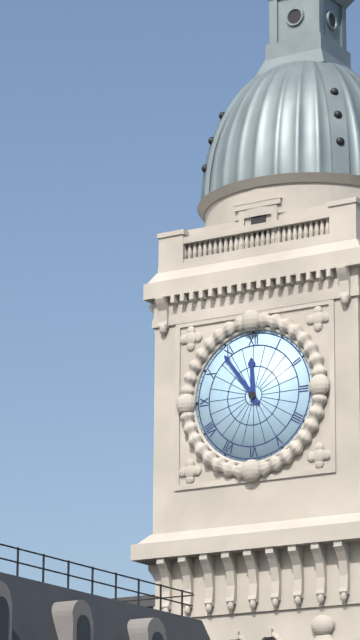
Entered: **11:54**
